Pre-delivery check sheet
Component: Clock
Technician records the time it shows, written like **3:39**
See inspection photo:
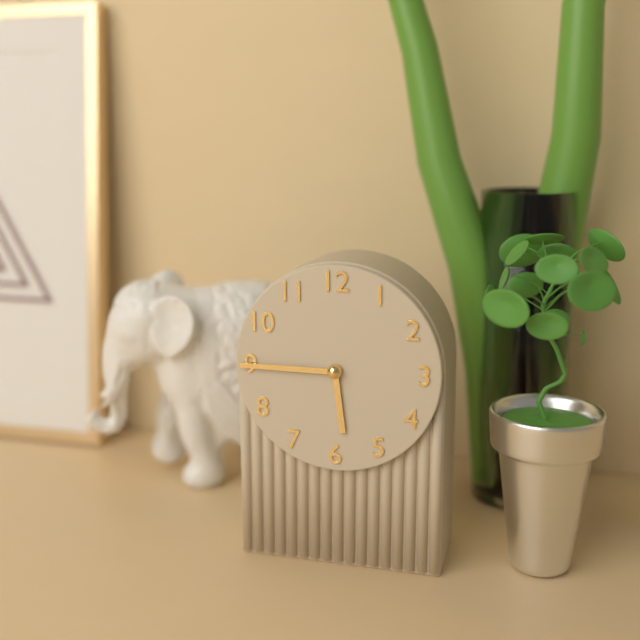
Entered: **5:45**
